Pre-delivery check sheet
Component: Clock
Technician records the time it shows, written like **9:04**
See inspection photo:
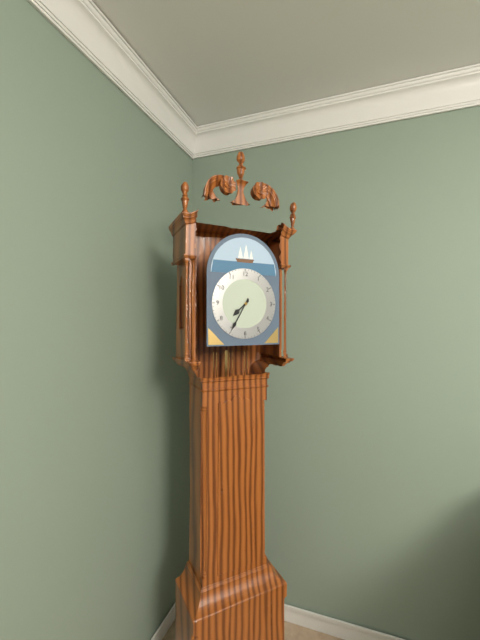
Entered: **7:35**
